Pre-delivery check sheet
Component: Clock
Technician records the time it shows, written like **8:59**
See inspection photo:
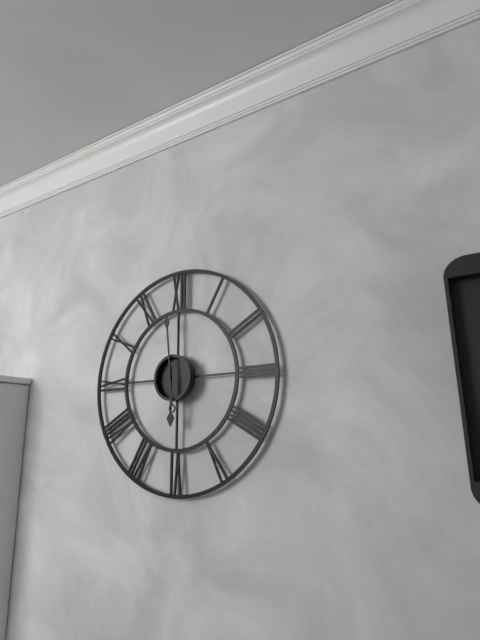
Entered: **5:59**
